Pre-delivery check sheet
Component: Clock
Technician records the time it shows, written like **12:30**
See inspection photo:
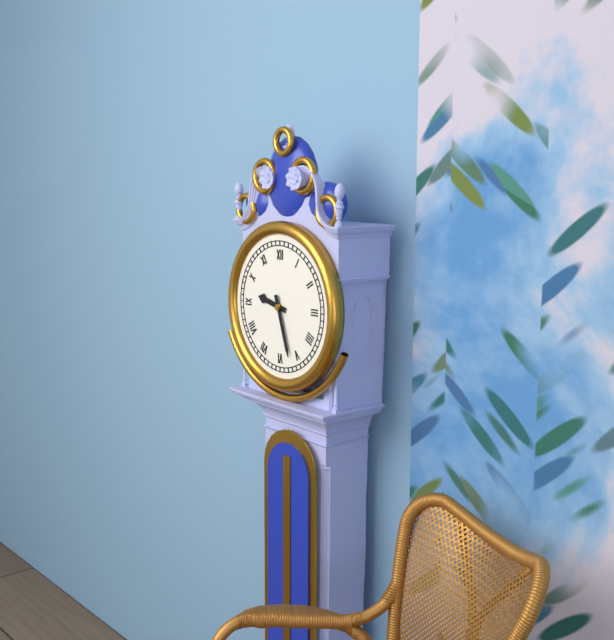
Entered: **9:27**
